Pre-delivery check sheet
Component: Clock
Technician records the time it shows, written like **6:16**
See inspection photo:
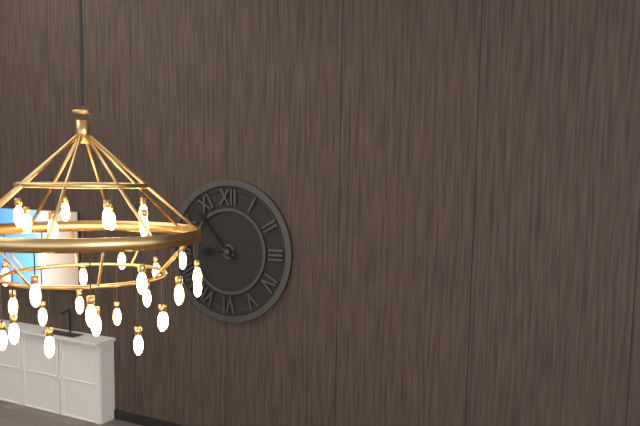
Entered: **8:53**
